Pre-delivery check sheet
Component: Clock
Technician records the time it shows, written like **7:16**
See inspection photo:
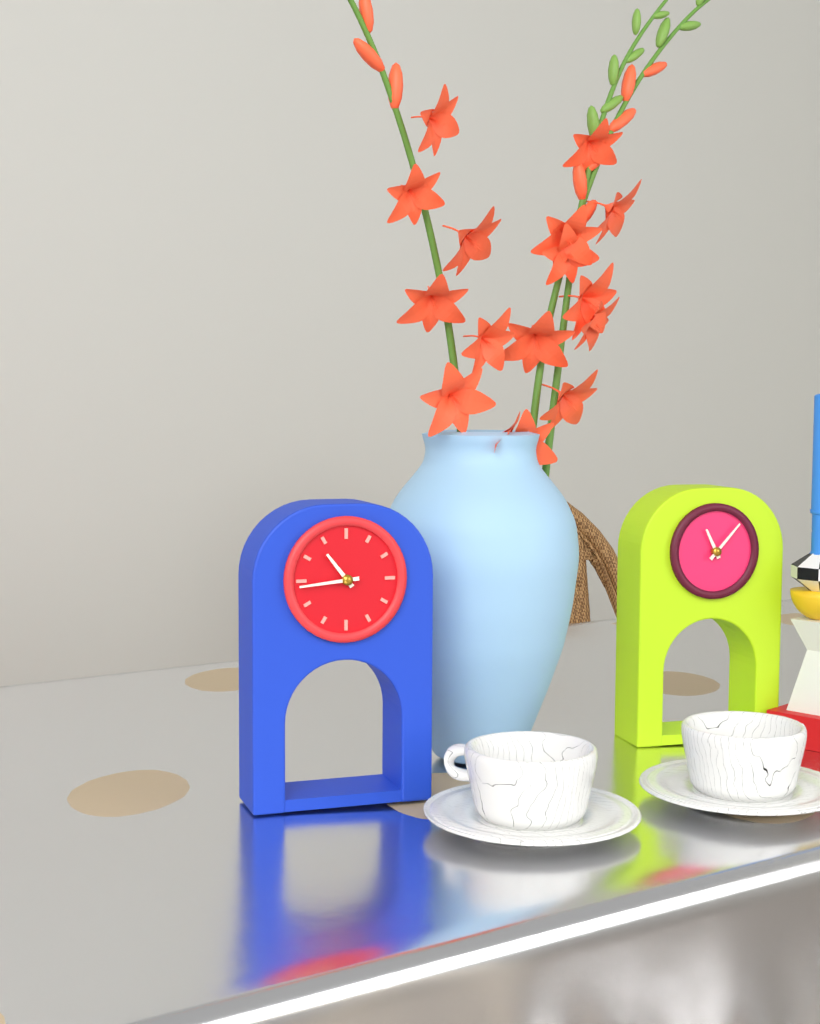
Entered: **10:44**
